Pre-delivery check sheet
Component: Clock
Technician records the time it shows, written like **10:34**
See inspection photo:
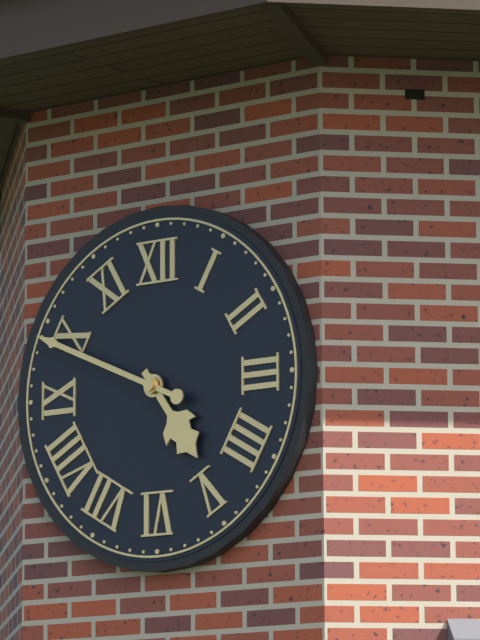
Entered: **4:49**
